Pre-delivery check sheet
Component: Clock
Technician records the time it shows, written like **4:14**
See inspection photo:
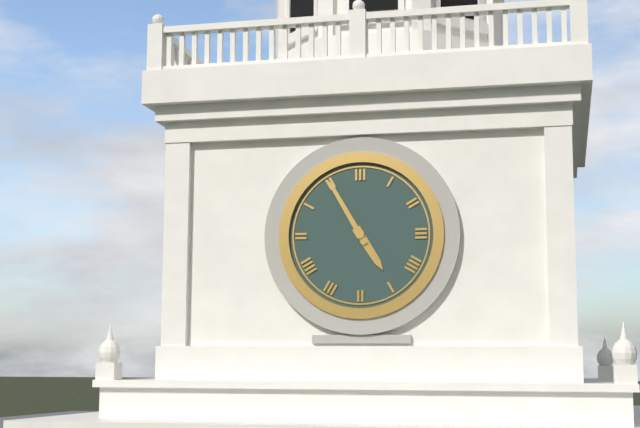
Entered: **4:55**
